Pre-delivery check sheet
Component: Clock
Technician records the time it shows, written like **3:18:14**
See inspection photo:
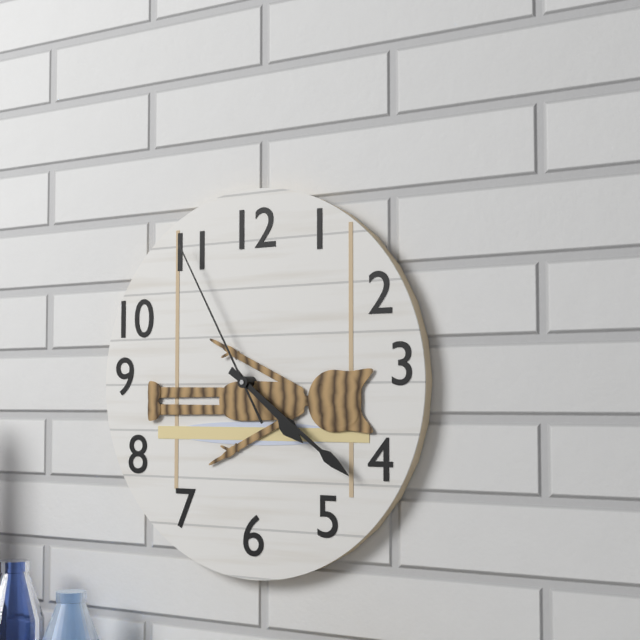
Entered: **4:21:55**
